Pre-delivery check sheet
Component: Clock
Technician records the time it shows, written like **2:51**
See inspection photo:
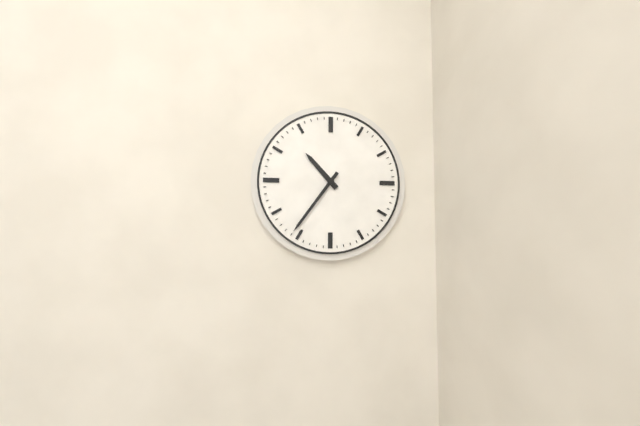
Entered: **10:36**
